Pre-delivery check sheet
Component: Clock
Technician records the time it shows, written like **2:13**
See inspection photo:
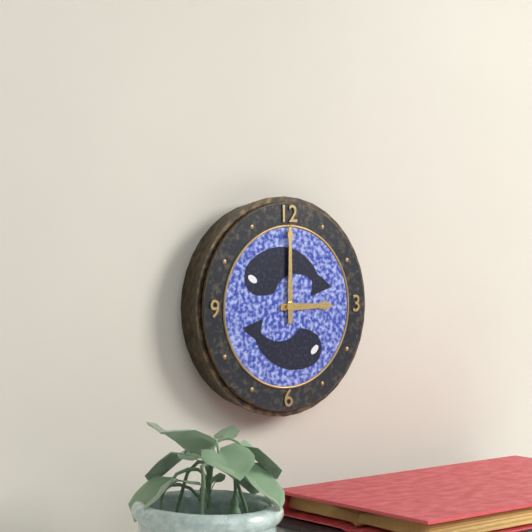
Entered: **3:00**
